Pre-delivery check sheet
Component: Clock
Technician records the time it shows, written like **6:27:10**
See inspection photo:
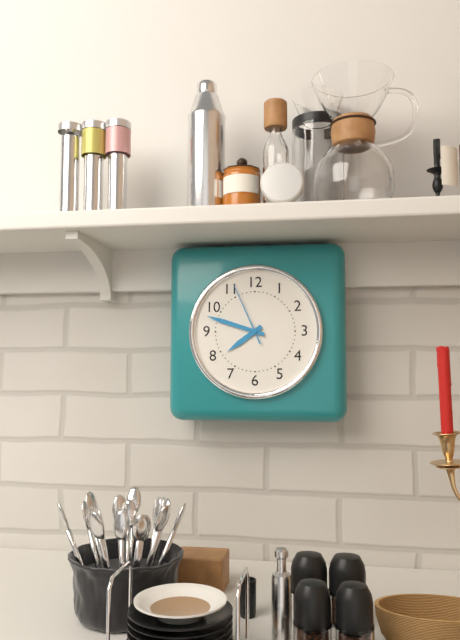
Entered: **7:48:56**
